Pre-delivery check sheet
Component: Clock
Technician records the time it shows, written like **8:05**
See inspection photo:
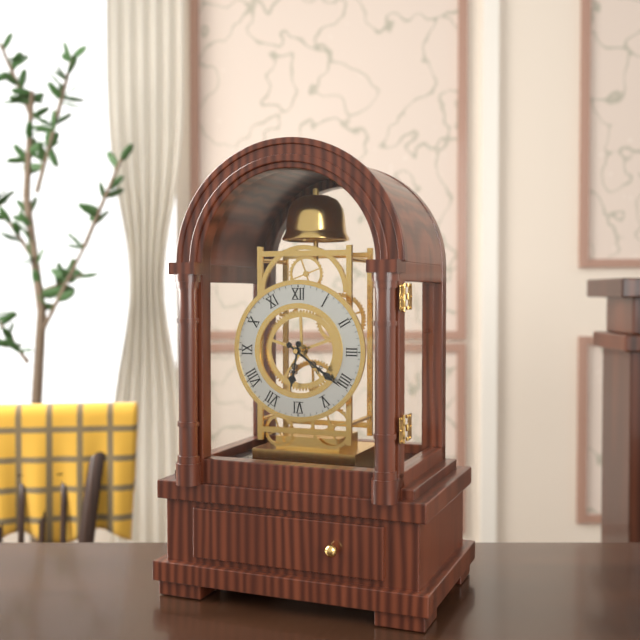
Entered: **6:21**
